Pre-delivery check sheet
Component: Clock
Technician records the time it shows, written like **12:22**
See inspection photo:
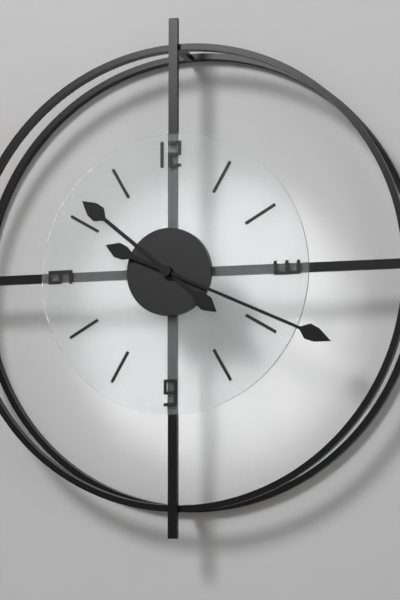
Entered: **10:19**
